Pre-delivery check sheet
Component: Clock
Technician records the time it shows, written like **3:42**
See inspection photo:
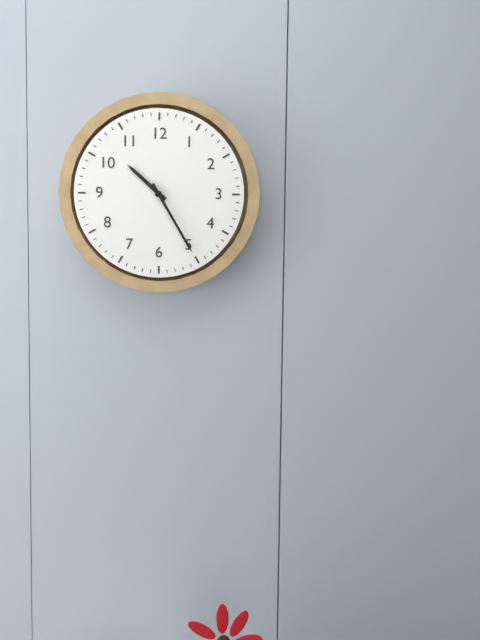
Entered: **10:25**
